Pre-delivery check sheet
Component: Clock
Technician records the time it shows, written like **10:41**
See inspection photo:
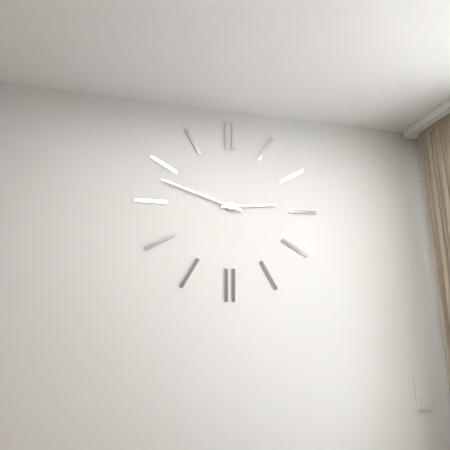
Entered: **2:48**
